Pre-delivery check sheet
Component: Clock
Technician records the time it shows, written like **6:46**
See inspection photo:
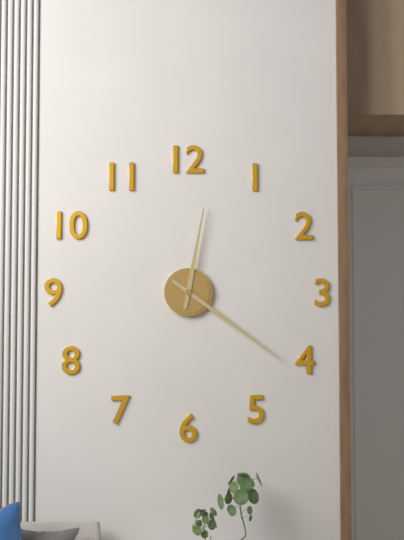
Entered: **12:21**
